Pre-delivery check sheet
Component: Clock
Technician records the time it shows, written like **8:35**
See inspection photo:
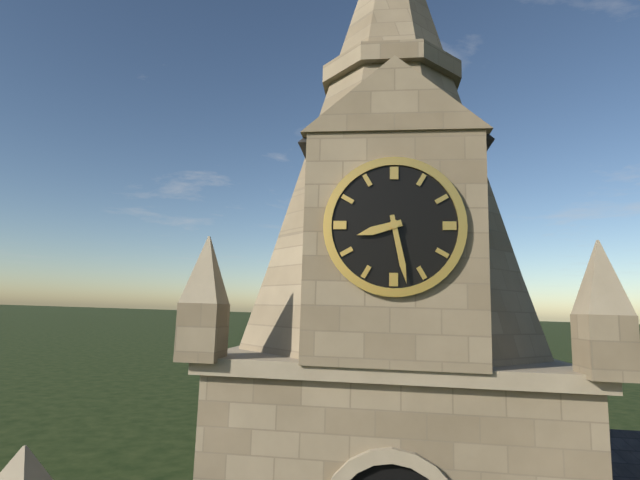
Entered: **8:28**
